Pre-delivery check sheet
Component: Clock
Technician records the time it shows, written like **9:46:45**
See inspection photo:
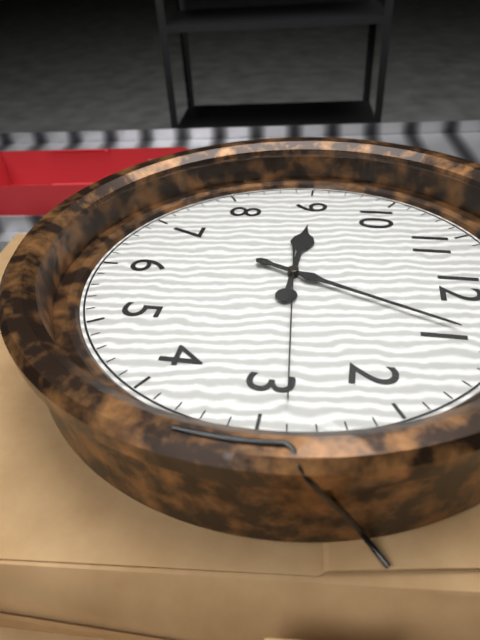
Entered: **9:04:14**
